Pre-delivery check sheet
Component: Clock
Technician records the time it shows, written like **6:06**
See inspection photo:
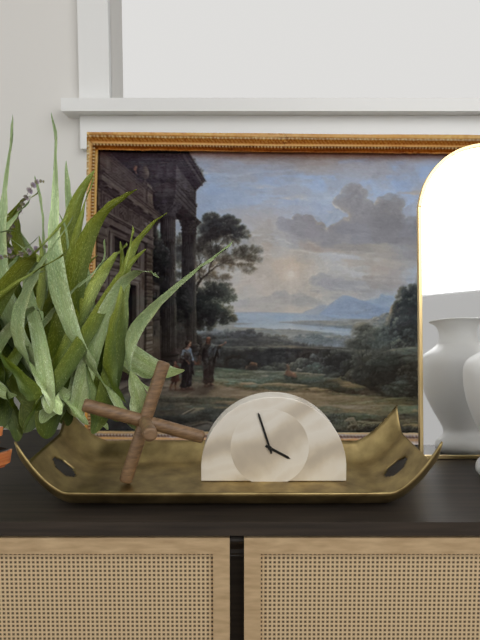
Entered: **3:57**
